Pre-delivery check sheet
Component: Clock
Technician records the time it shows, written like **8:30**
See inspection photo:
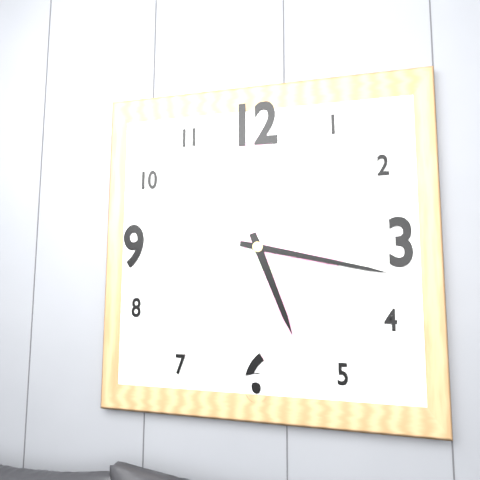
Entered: **5:17**
